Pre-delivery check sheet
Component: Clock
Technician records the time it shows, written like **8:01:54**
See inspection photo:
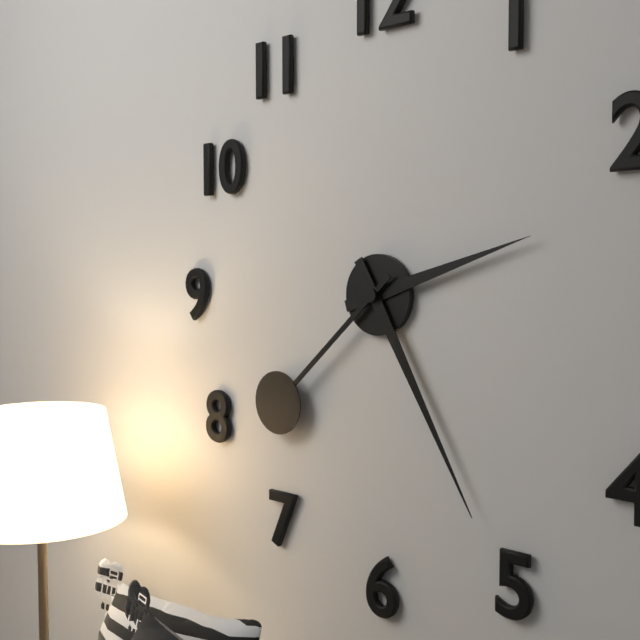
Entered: **2:25:38**
